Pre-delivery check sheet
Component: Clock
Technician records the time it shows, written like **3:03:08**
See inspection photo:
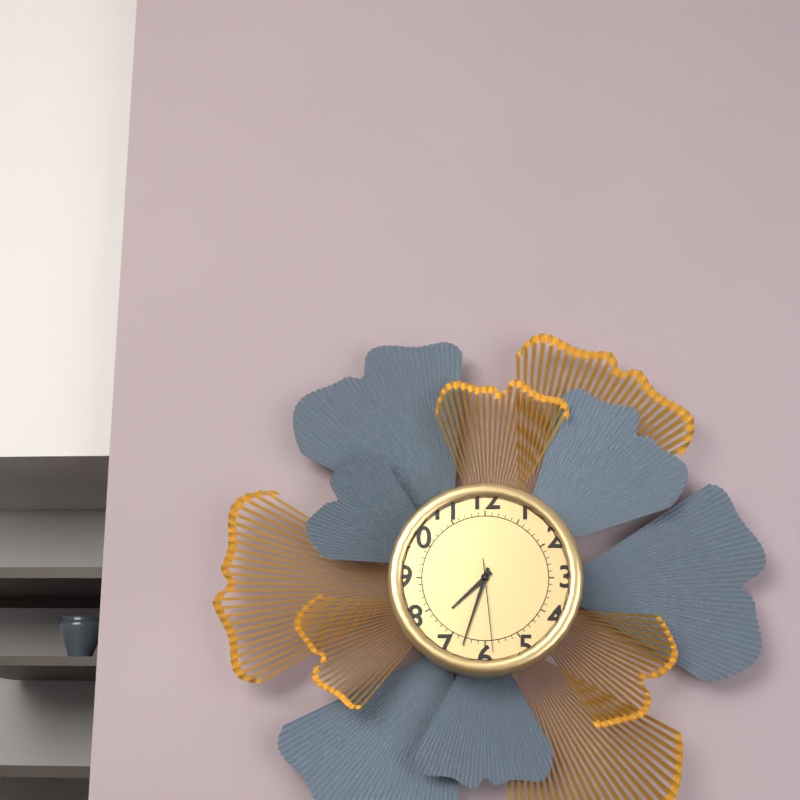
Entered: **7:33:29**
